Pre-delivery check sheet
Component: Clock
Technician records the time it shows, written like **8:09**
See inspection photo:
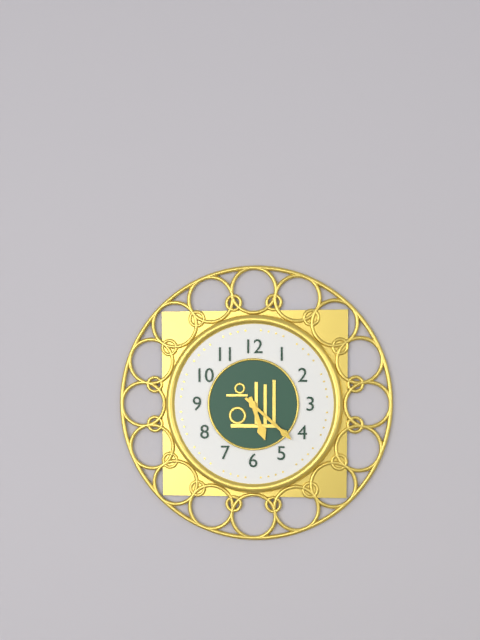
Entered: **5:22**
